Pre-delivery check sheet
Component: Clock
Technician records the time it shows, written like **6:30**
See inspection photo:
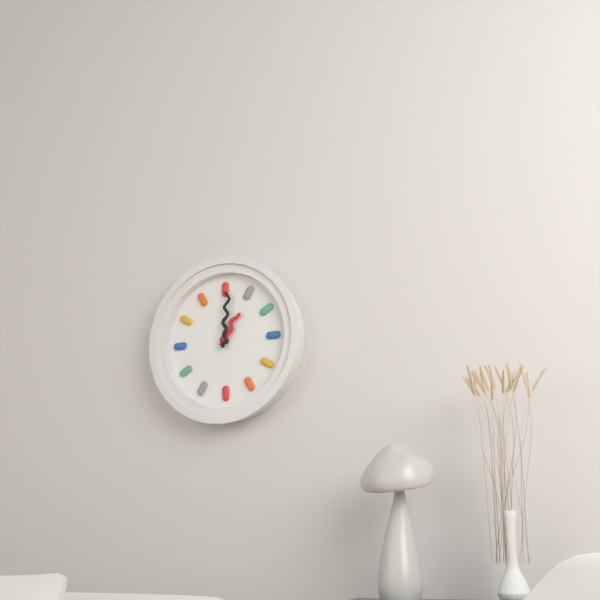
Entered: **1:01**
